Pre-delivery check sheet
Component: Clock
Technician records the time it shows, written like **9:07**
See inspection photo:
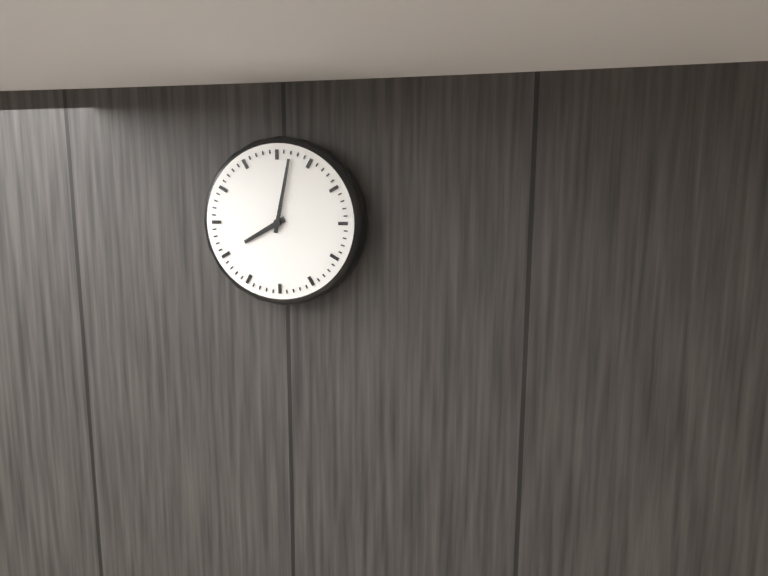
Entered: **8:02**
